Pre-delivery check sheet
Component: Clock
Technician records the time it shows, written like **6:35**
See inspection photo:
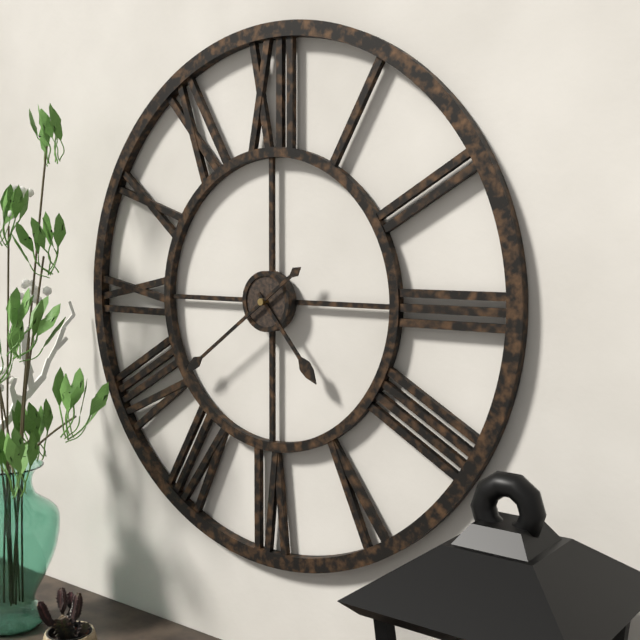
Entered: **4:39**
